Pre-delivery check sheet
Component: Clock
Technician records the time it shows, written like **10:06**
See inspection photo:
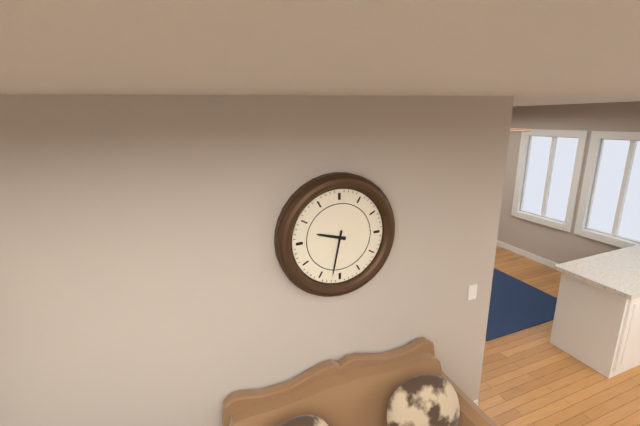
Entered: **9:32**
